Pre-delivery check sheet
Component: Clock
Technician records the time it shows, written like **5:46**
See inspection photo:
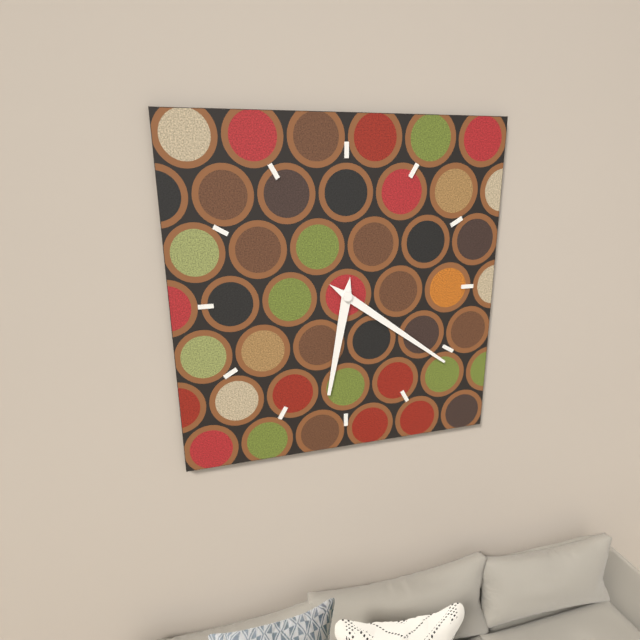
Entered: **6:21**
